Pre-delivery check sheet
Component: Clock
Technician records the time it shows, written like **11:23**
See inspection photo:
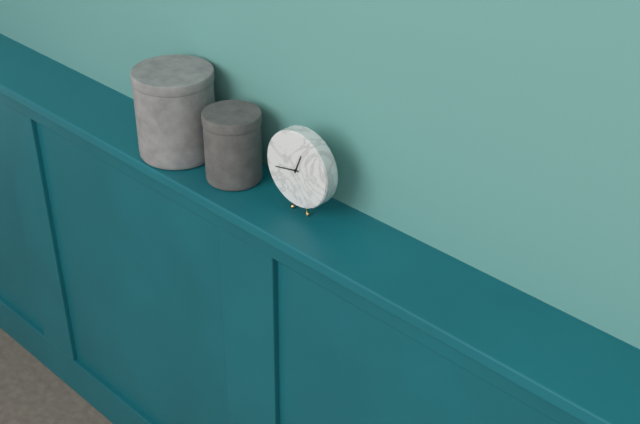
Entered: **12:43**
